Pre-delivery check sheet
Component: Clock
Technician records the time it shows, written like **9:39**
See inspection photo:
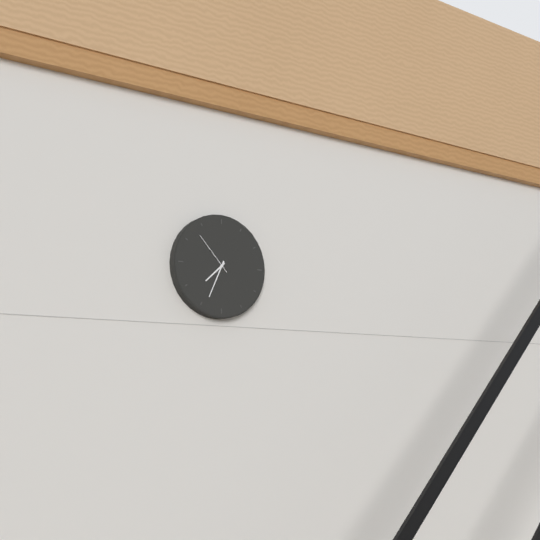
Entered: **7:34**
